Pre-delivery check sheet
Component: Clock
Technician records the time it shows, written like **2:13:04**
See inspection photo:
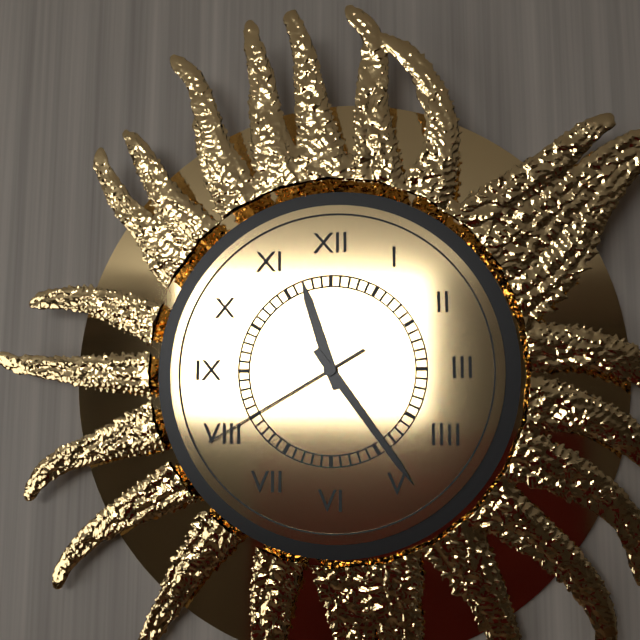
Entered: **11:24:40**
